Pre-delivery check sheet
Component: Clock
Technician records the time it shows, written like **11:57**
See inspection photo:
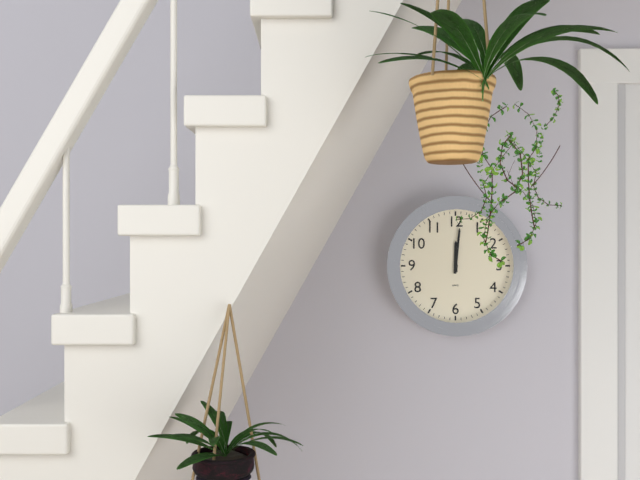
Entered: **12:01**
